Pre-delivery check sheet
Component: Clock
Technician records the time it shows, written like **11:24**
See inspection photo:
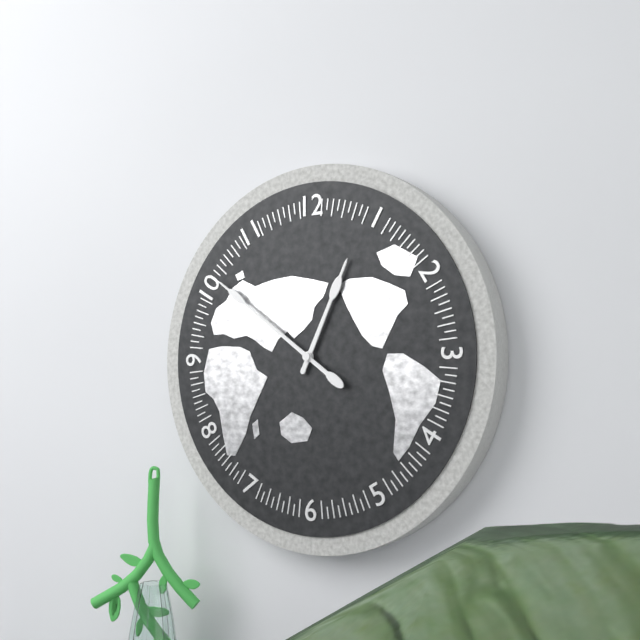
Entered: **12:51**
